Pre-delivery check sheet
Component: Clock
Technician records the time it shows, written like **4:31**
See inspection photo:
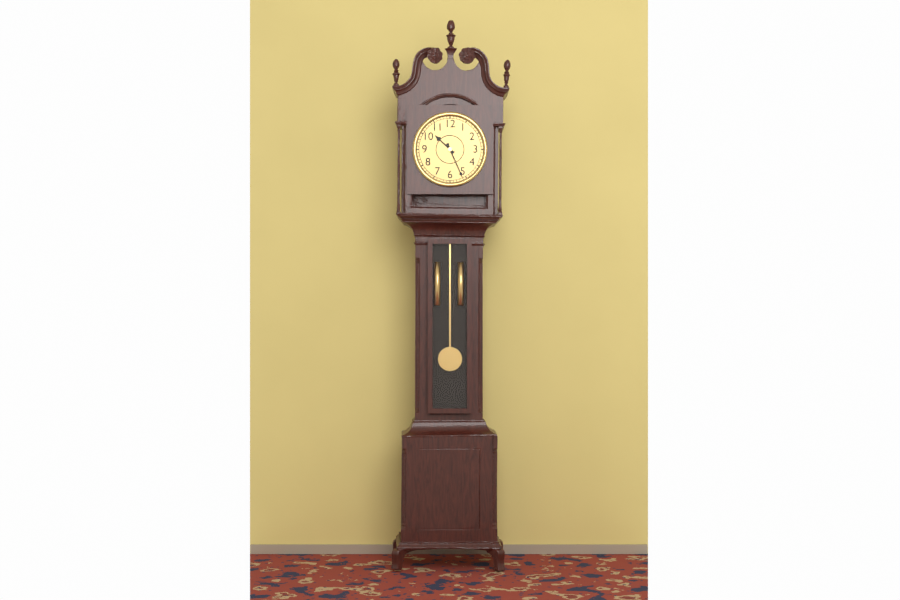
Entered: **10:26**
